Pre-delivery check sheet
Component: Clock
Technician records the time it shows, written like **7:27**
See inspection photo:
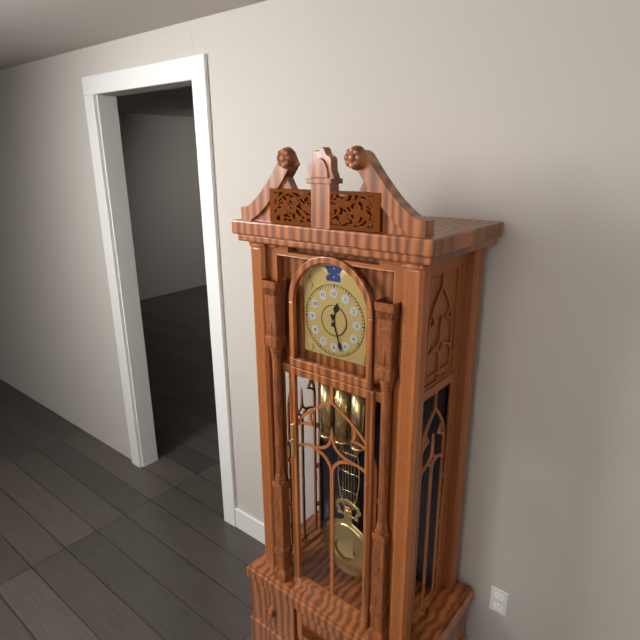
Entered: **12:27**
